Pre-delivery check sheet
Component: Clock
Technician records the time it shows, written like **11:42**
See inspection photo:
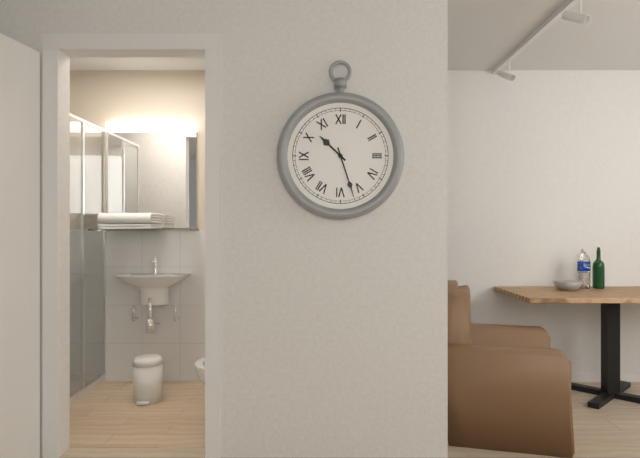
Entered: **10:27**
